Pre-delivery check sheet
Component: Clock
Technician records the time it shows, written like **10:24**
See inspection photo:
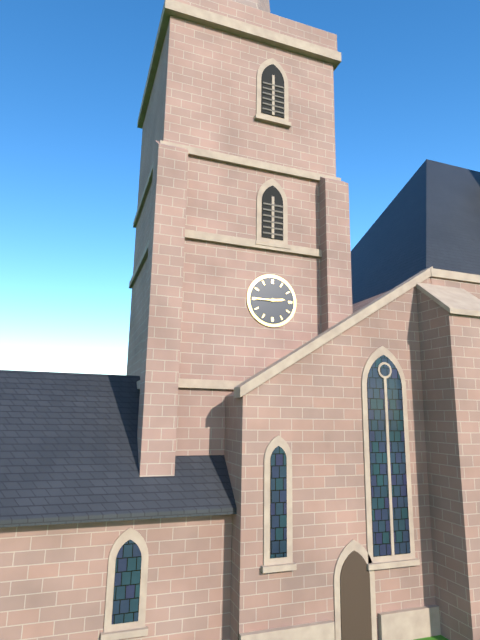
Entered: **2:45**
